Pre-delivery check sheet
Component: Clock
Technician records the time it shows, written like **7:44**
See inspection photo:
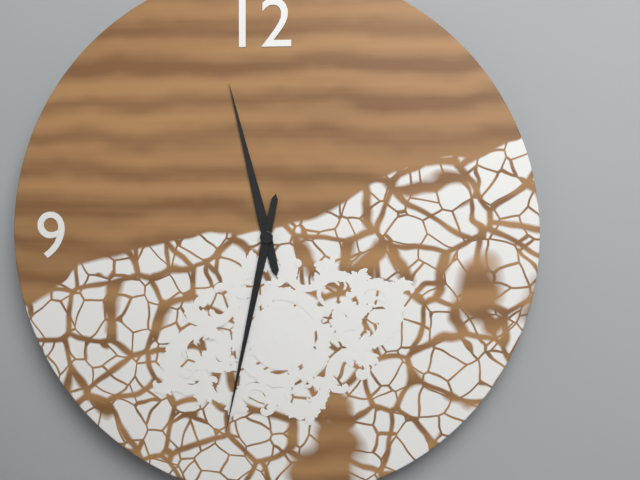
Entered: **11:32**
